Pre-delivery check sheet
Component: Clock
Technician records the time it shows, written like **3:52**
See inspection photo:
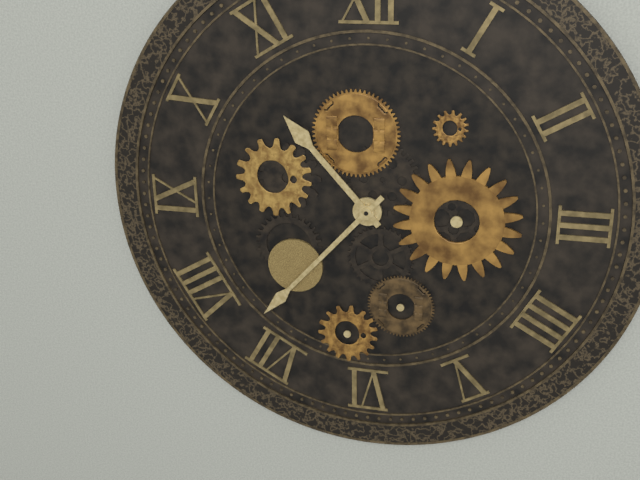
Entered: **10:37**
